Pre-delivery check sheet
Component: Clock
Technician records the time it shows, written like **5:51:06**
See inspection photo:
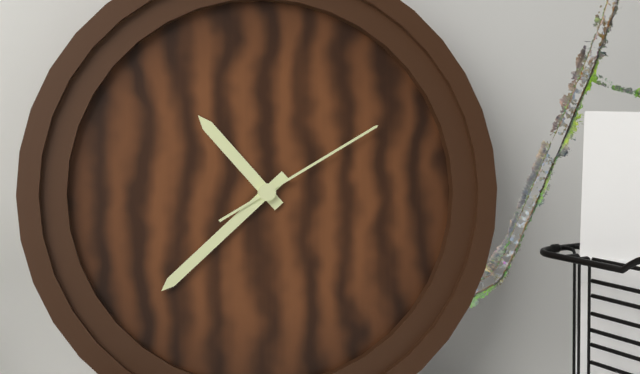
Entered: **10:38:10**
